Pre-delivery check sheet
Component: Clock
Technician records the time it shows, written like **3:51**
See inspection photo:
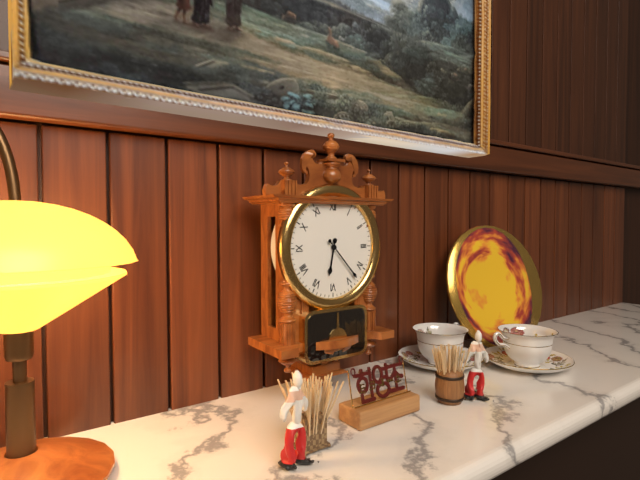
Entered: **6:23**
